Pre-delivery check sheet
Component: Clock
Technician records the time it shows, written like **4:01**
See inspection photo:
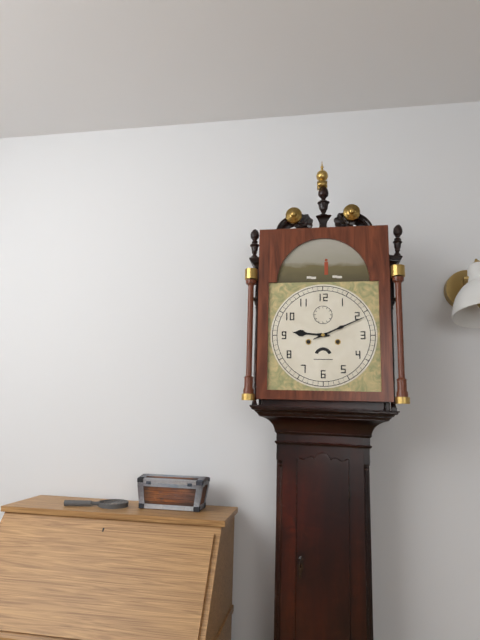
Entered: **9:11**
